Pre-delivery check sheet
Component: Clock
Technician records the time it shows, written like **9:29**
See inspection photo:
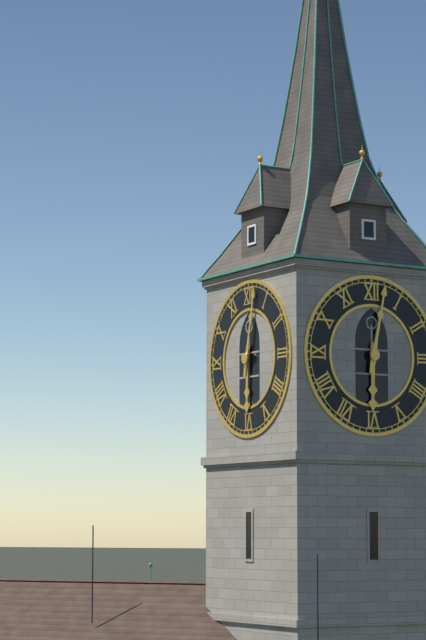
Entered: **6:02**
